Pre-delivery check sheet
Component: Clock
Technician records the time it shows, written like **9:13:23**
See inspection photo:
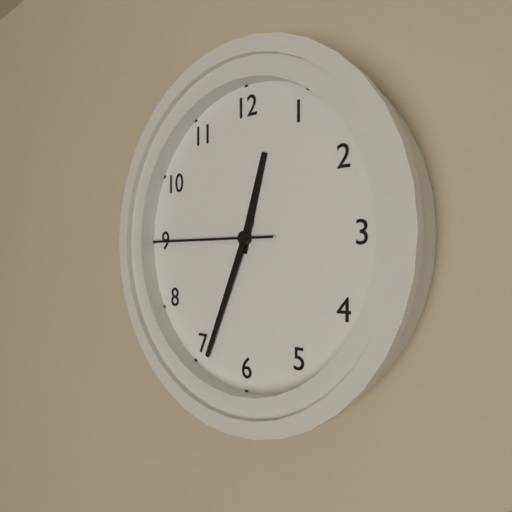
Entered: **12:34:45**
